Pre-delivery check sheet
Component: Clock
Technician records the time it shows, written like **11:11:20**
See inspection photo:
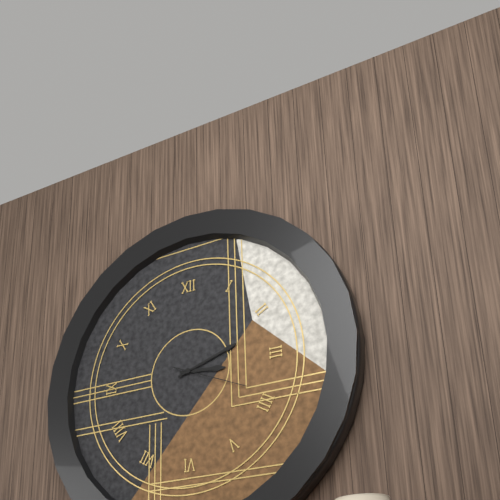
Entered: **3:12:19**
